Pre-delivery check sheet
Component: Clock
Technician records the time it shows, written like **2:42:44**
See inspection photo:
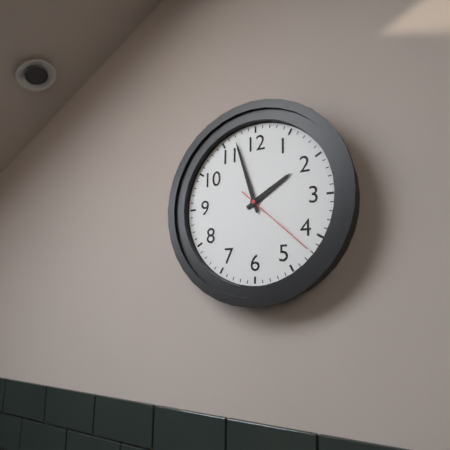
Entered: **1:57:22**
